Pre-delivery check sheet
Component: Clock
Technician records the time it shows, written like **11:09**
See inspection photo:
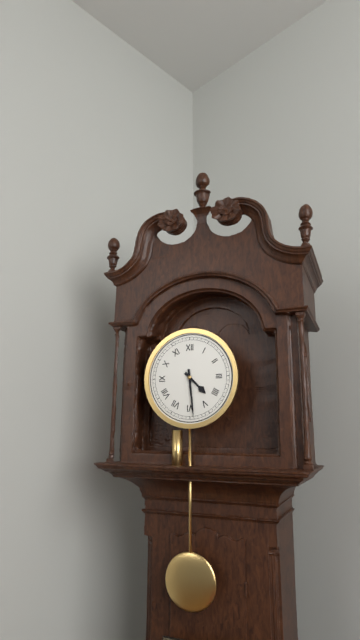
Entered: **4:29**
